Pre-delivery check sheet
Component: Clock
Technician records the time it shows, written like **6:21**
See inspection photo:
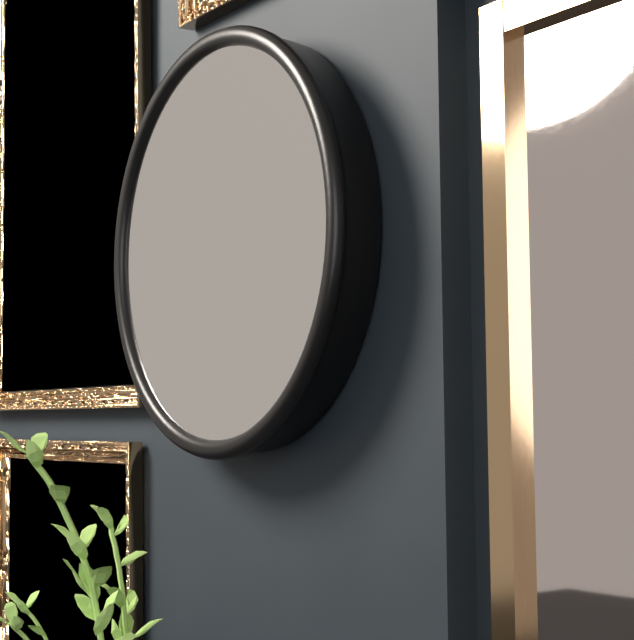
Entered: **5:17**
